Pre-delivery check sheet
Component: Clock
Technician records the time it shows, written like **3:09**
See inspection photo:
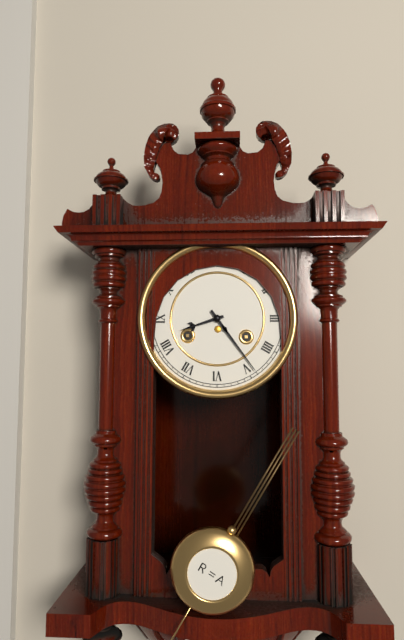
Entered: **8:24**
